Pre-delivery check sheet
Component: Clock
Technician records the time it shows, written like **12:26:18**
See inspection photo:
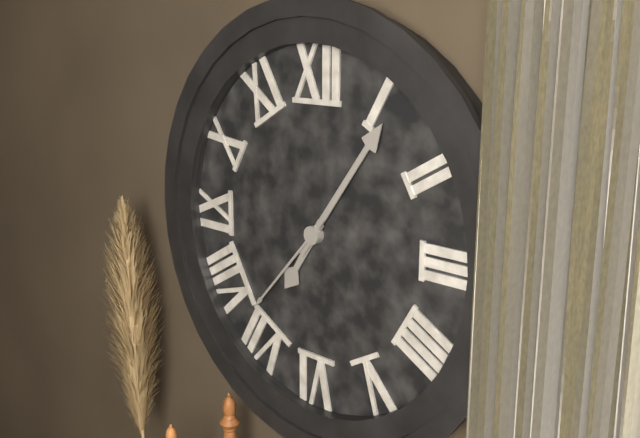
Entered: **7:06:37**
